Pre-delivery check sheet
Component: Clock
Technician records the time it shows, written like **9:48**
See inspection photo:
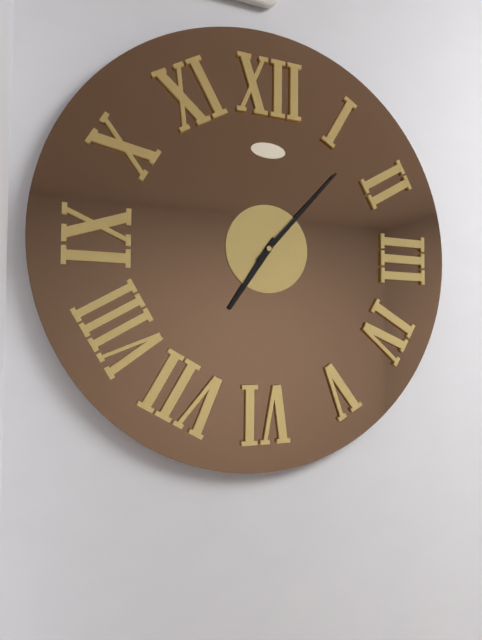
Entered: **7:07**
